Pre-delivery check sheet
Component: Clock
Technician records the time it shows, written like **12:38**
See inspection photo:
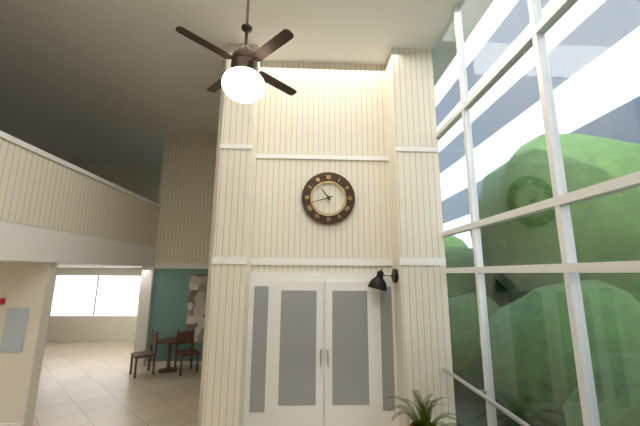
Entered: **10:42**
